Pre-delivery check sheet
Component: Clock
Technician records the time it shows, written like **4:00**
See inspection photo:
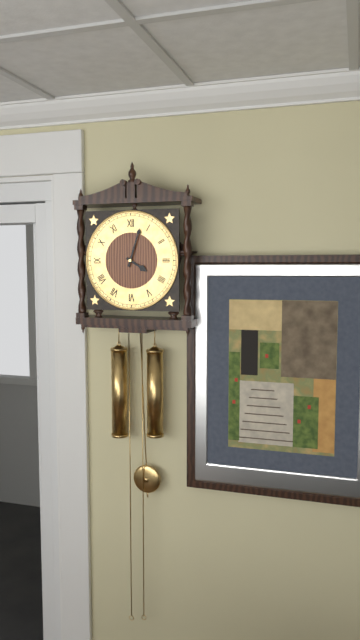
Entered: **4:03**
